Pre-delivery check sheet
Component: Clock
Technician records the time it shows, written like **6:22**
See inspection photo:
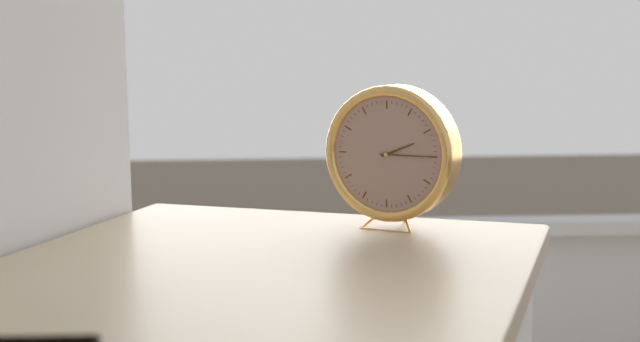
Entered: **2:15**
